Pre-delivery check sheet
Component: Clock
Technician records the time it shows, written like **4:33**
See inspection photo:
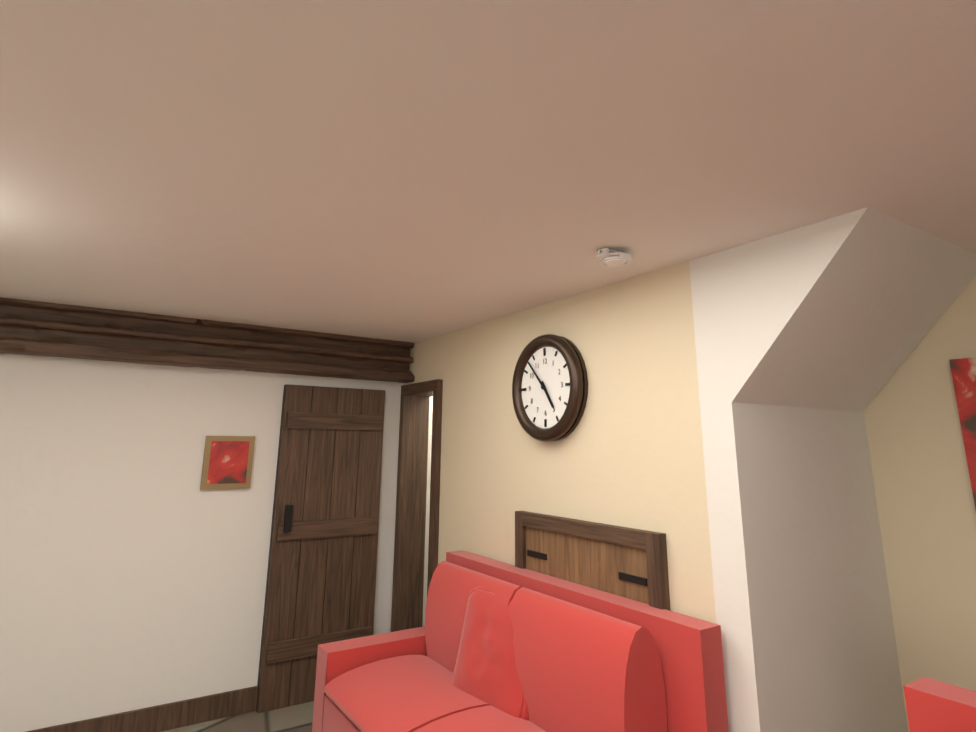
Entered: **4:53**
